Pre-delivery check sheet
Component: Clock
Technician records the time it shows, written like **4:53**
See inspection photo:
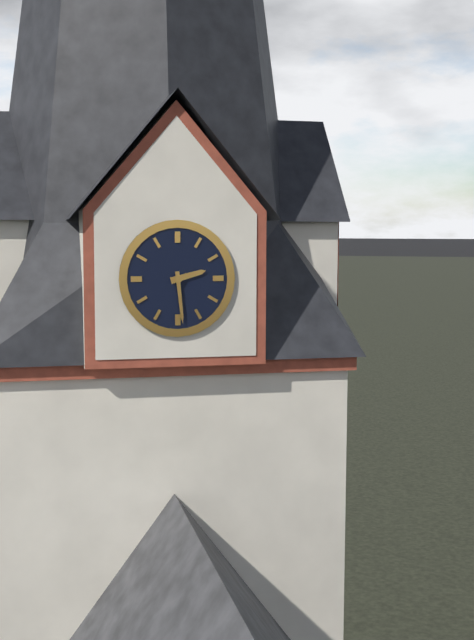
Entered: **2:29**
